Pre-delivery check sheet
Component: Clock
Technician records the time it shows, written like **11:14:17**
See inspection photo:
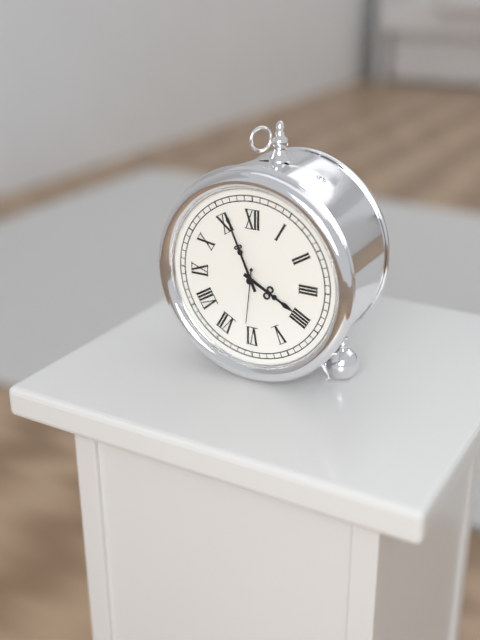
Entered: **3:56:31**
